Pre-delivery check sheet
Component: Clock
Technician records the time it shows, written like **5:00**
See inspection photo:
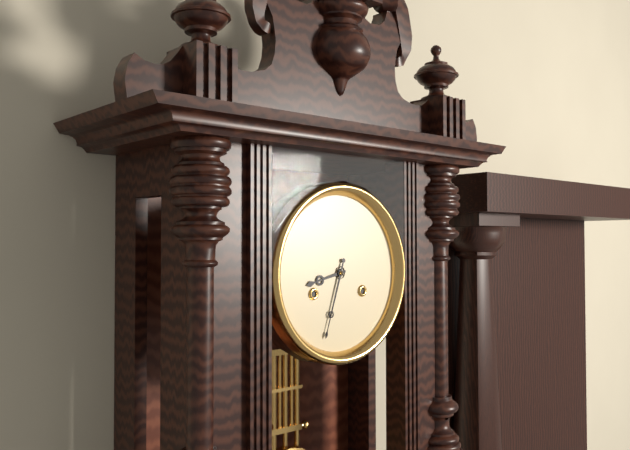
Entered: **8:33**
